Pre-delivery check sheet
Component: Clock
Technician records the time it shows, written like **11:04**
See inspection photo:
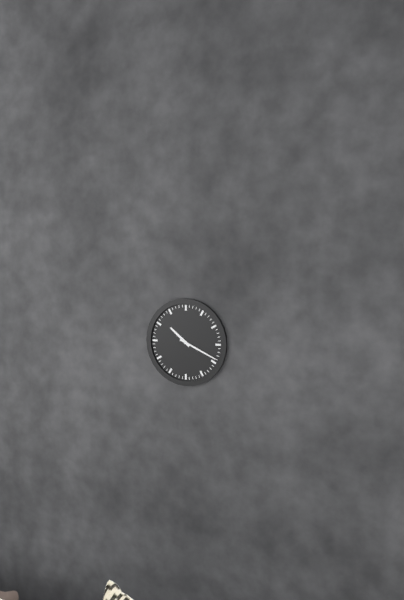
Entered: **10:19**
